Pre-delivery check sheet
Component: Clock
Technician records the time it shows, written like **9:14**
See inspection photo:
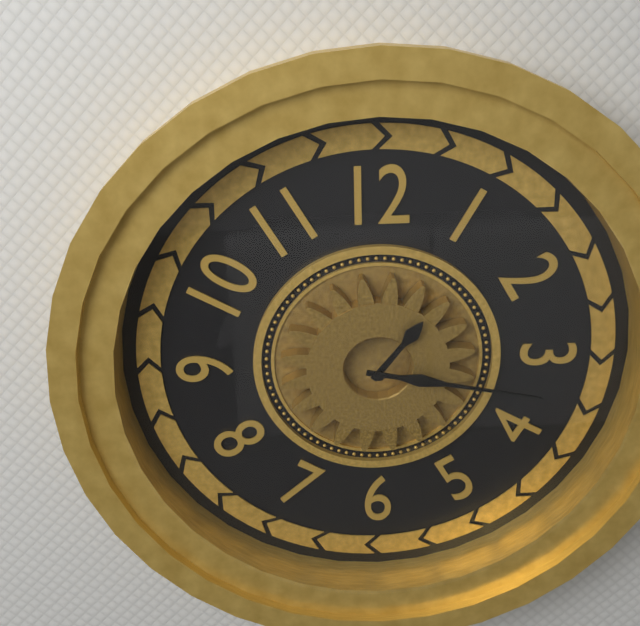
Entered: **1:17**
